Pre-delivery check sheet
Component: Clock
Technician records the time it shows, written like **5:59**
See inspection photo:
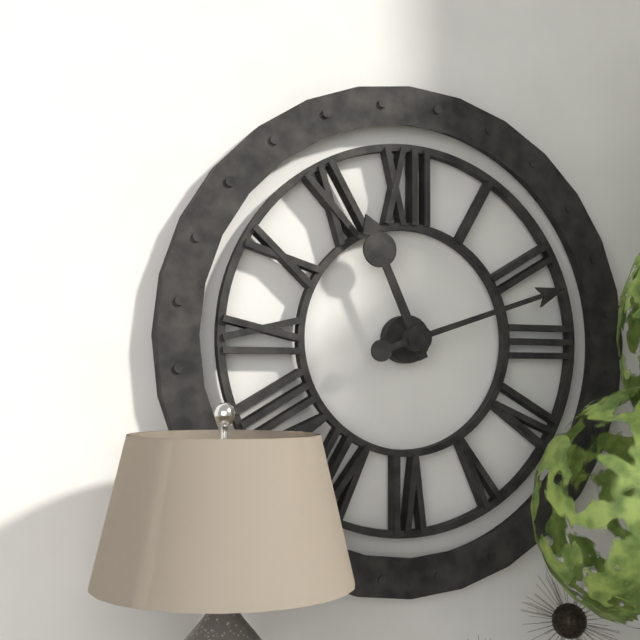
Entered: **11:12**
